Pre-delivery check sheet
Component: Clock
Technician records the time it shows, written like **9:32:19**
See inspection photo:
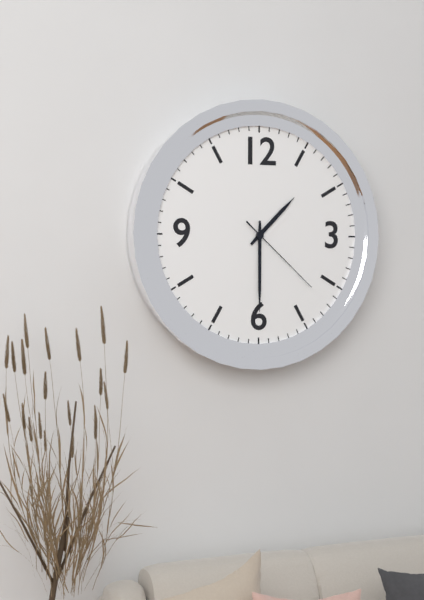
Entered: **1:30:22**
